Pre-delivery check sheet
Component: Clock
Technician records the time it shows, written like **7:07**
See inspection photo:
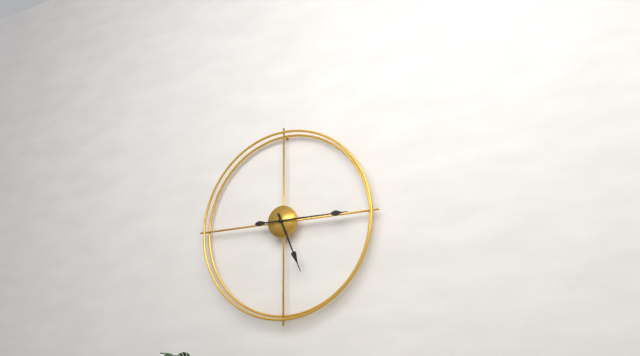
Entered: **5:15**
